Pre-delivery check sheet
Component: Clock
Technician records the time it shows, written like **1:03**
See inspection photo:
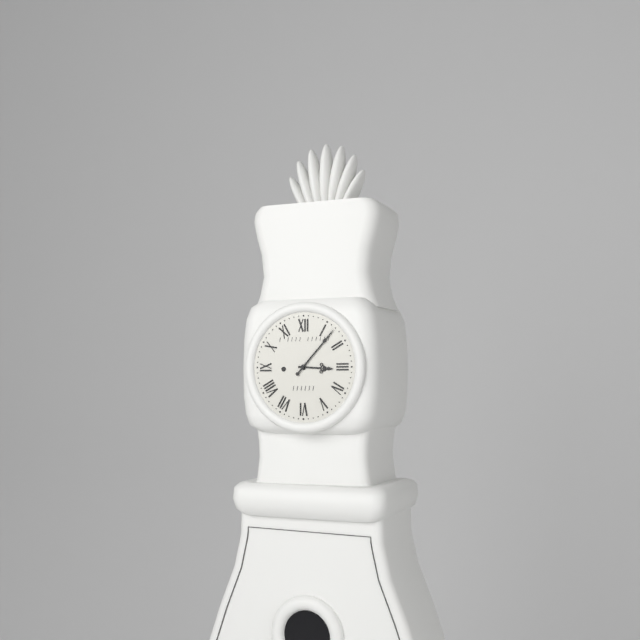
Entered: **3:07**
